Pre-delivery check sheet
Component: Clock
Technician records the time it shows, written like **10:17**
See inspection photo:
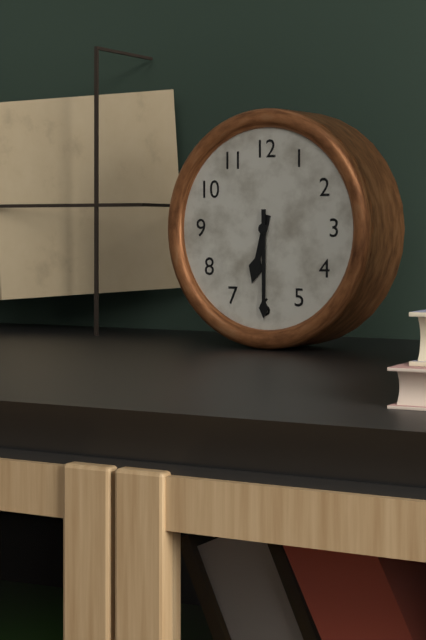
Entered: **6:30**
